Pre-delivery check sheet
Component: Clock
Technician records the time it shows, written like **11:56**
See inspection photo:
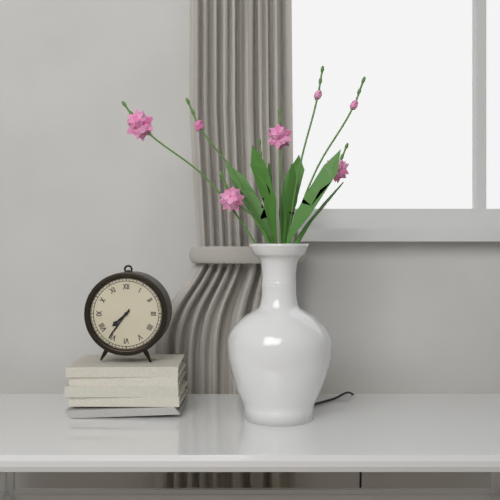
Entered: **7:36**
